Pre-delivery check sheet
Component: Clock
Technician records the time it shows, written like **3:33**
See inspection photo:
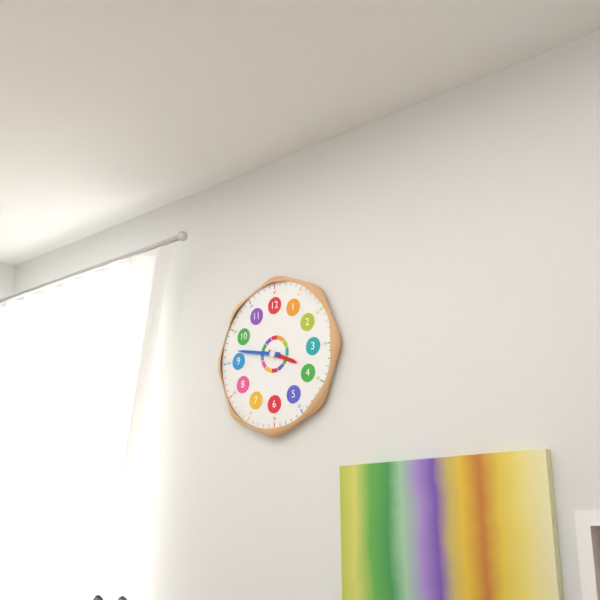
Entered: **3:47**
